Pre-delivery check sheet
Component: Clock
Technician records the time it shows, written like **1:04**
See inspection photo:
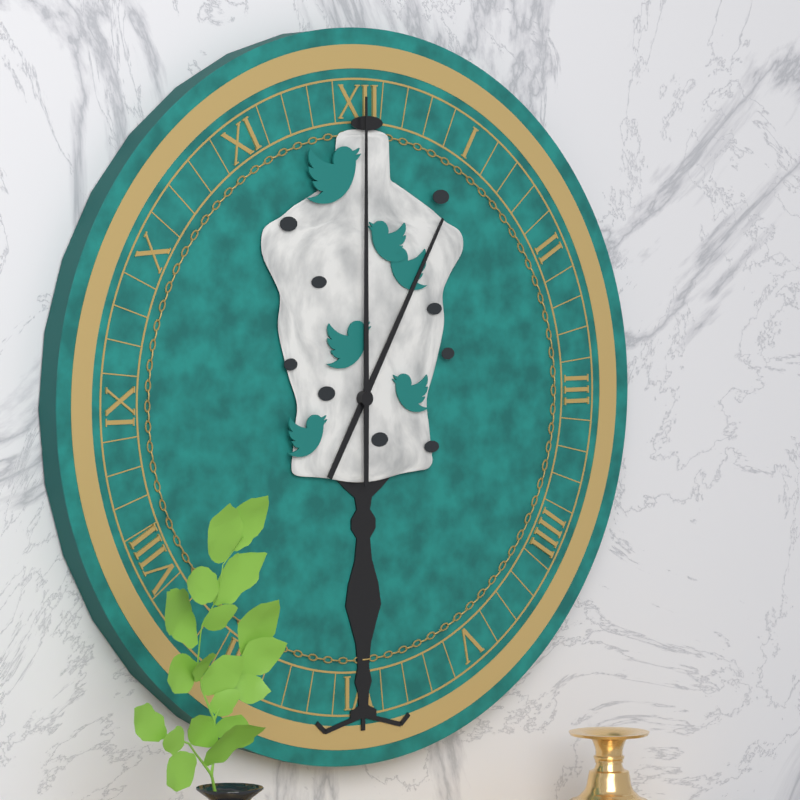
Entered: **1:00**
